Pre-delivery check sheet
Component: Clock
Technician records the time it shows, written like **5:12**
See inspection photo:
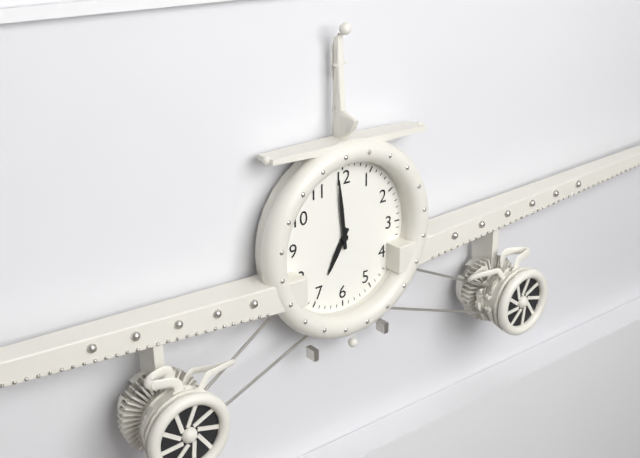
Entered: **6:59**
